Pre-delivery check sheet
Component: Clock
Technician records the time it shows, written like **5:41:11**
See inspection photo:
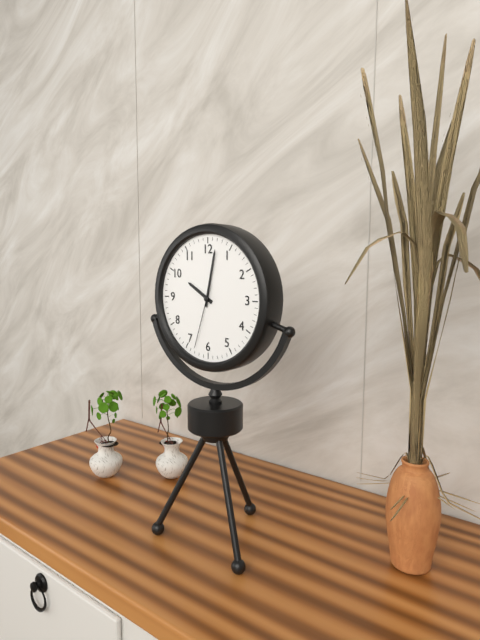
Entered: **10:02:33**
